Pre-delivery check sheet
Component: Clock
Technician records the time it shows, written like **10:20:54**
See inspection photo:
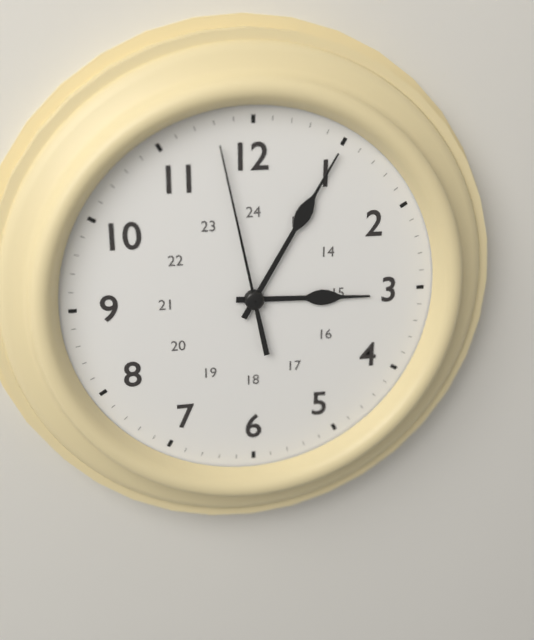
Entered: **3:05:58**
